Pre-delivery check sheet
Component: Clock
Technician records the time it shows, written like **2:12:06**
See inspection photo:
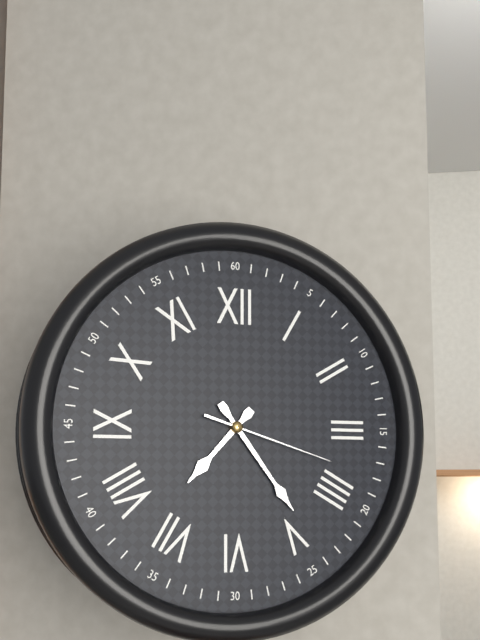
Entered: **7:24:18**
